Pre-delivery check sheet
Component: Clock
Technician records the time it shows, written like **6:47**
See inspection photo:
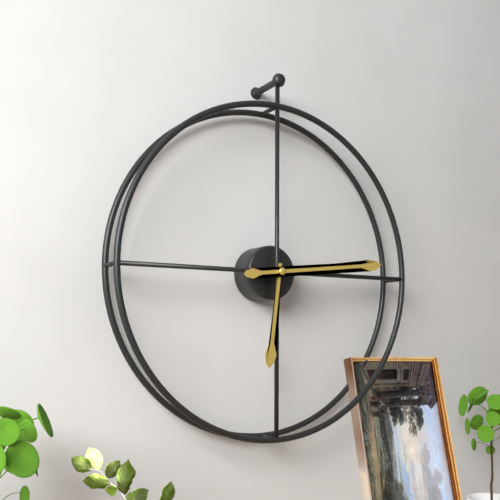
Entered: **6:14**
